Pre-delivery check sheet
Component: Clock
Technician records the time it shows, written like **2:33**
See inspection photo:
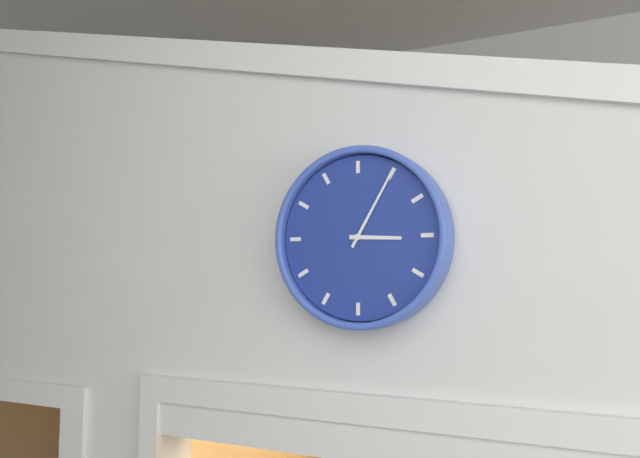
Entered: **3:05**
